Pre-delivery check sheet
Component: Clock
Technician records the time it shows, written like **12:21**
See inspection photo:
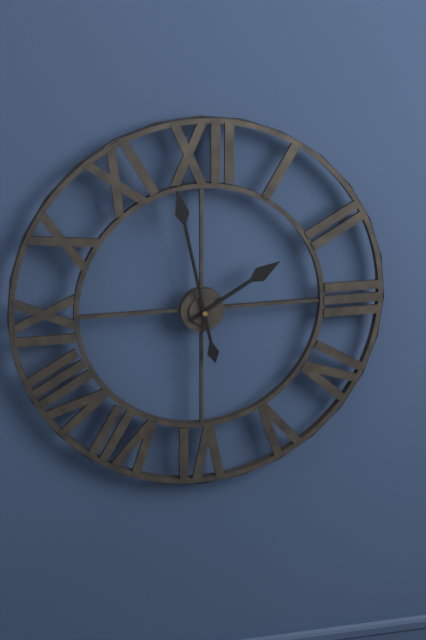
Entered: **1:58**
